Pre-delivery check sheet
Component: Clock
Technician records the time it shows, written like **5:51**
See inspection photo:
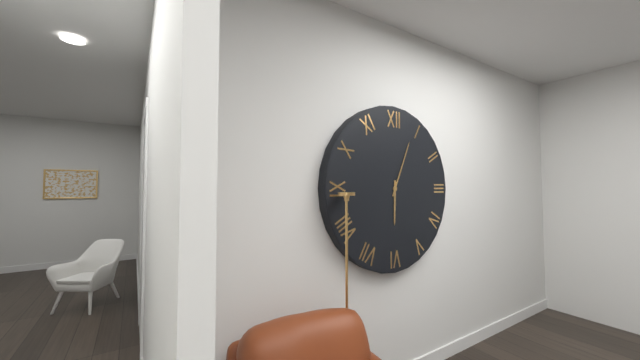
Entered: **6:04**
